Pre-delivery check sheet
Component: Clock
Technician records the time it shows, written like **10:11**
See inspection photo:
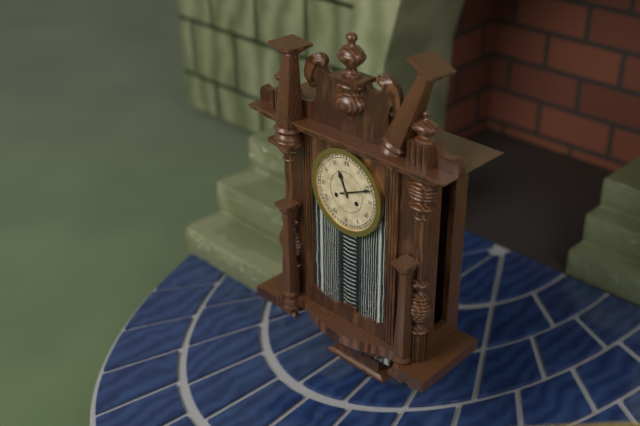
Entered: **11:11**
